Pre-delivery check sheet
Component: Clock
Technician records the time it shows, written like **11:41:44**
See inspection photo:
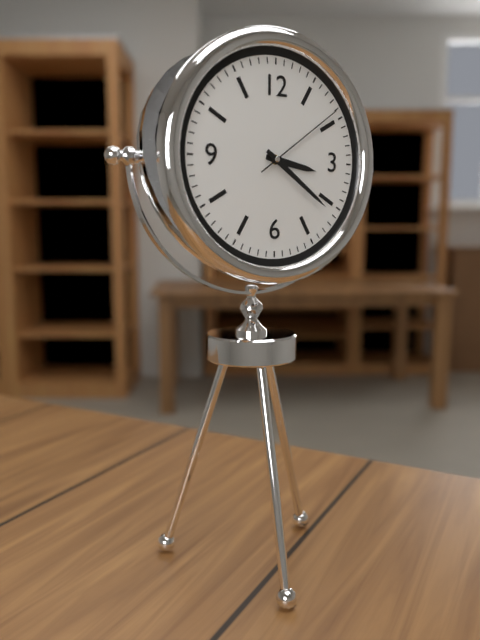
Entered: **3:21:09**
